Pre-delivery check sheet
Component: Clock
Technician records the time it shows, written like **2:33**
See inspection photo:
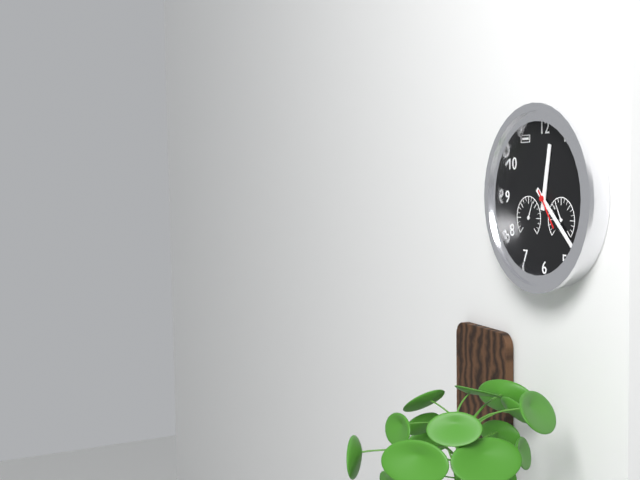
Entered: **12:22**
